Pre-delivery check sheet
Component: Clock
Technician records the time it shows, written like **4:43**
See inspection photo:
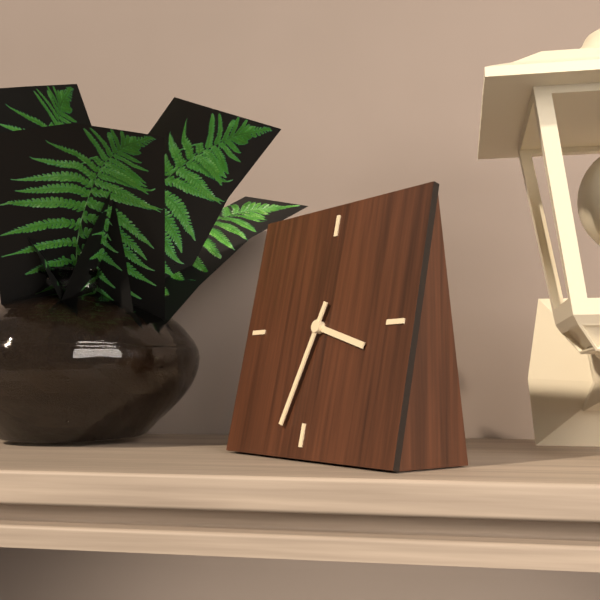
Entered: **3:33**
